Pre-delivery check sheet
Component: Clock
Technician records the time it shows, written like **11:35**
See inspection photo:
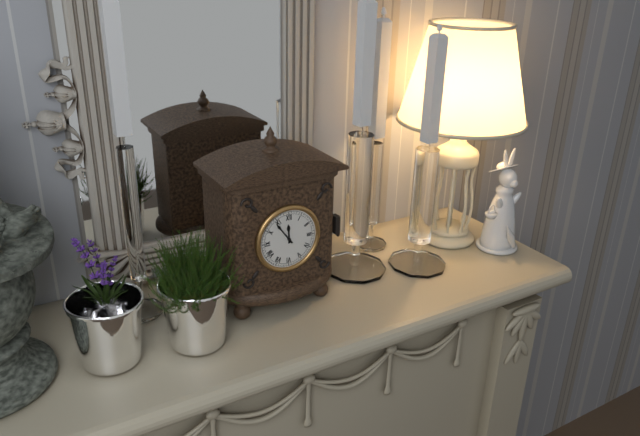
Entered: **11:54**
